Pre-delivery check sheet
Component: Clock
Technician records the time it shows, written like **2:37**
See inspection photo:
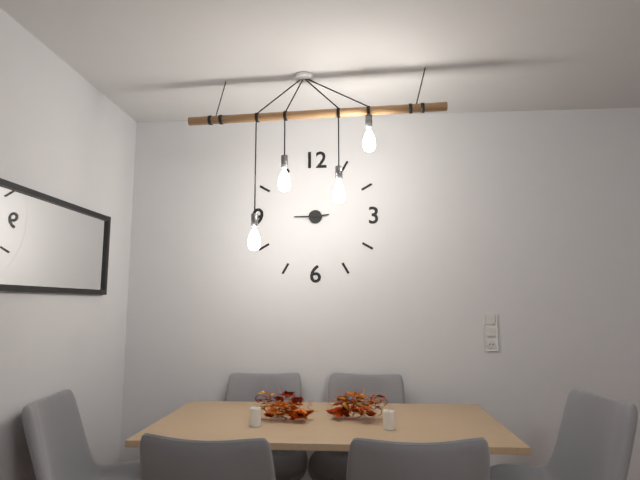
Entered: **2:45**
